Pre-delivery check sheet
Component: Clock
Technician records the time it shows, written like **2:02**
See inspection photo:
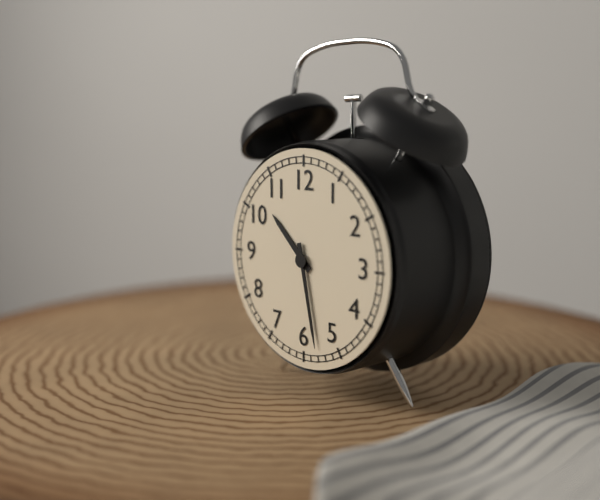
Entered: **10:28**
